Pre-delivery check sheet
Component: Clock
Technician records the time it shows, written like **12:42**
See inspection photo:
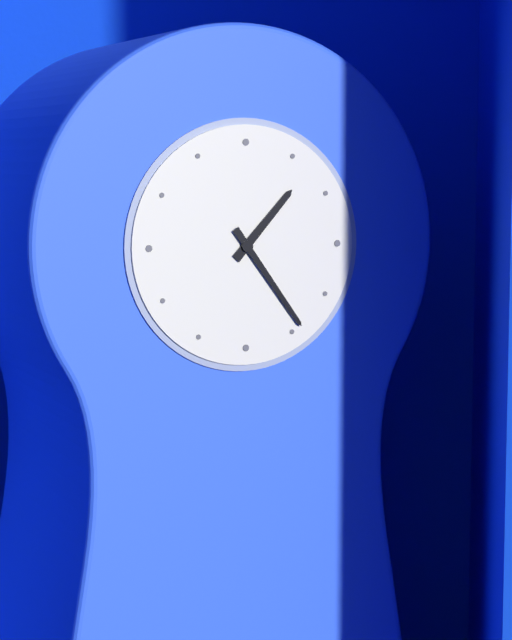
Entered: **1:24**
